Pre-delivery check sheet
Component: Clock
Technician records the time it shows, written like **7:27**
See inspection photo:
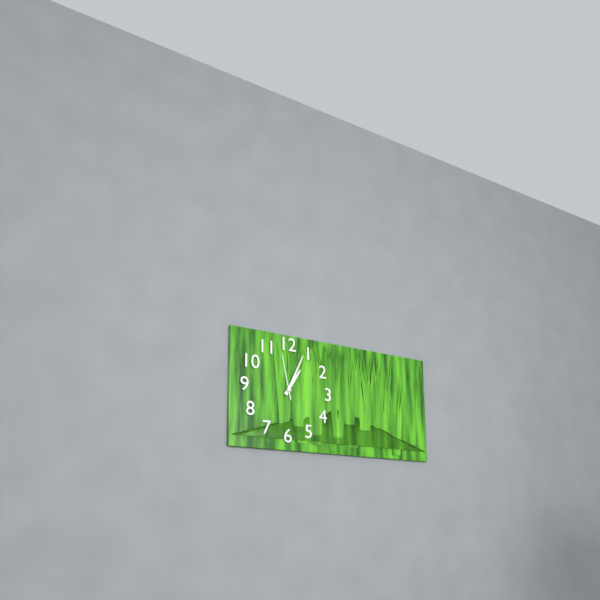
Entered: **1:04**
